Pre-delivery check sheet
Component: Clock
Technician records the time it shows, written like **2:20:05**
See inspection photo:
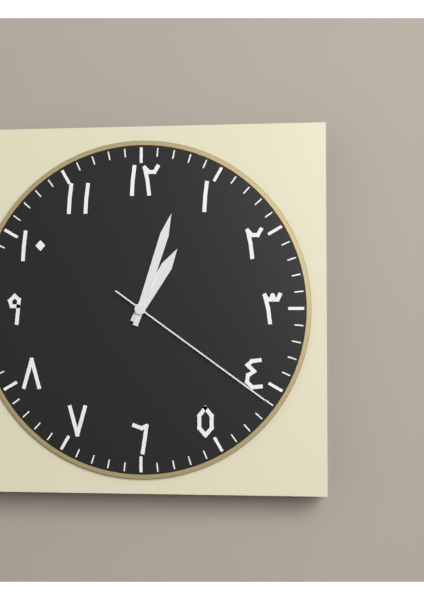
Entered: **1:03:21**
